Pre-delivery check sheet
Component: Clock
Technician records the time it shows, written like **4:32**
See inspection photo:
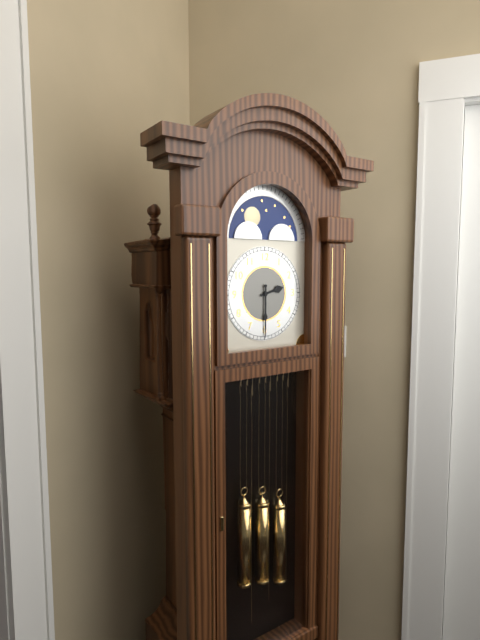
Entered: **2:30**
